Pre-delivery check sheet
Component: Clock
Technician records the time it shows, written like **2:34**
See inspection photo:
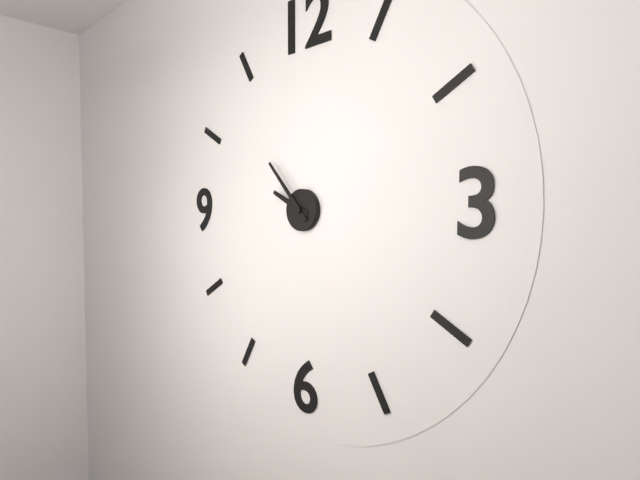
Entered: **9:53**
